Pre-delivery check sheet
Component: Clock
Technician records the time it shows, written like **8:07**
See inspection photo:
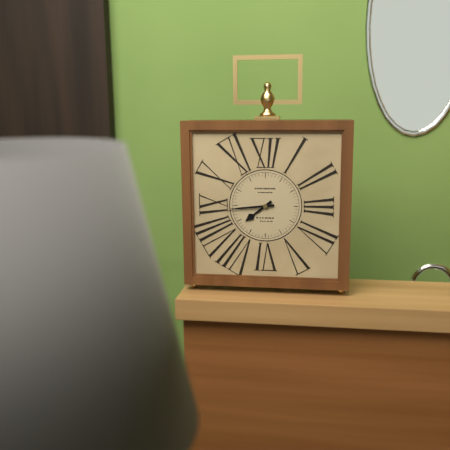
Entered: **7:44**
